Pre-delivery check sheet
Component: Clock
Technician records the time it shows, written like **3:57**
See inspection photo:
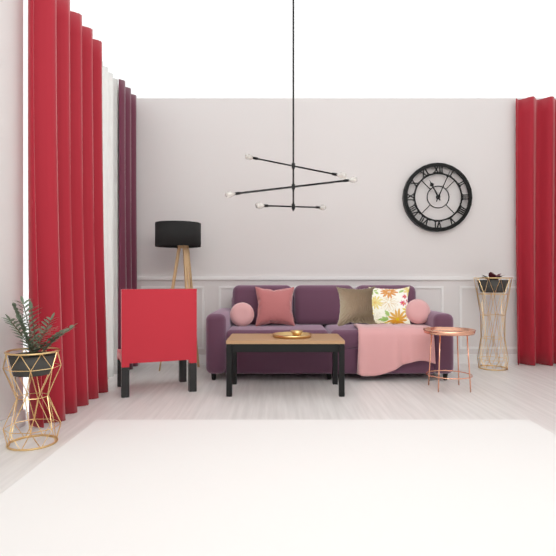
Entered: **11:04**
